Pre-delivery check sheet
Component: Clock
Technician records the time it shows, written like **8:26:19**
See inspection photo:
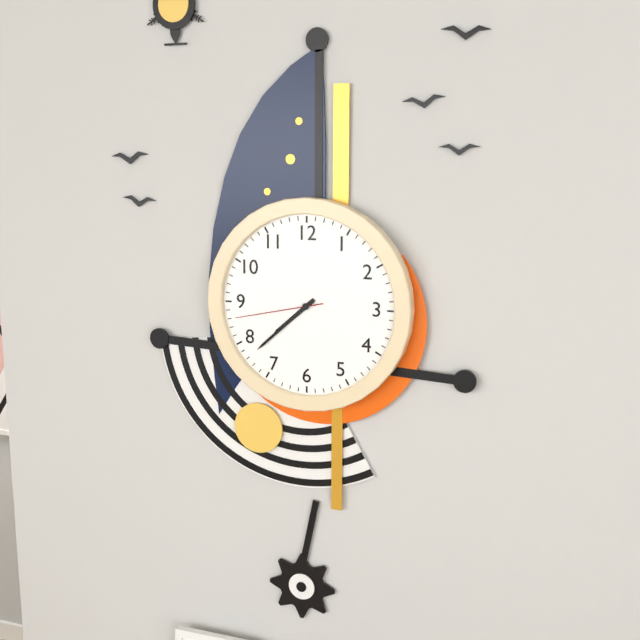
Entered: **7:38:43**
